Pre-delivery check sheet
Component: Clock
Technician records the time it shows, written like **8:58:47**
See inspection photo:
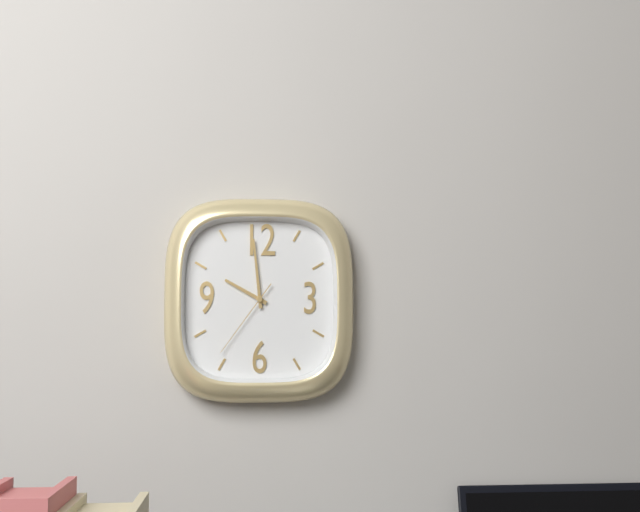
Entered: **9:59:36**
